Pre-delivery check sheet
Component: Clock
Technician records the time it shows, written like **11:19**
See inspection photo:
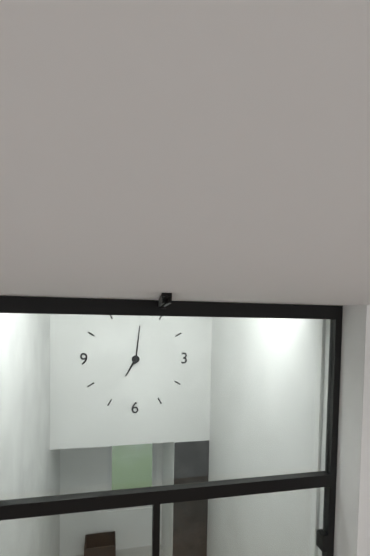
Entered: **7:01**
